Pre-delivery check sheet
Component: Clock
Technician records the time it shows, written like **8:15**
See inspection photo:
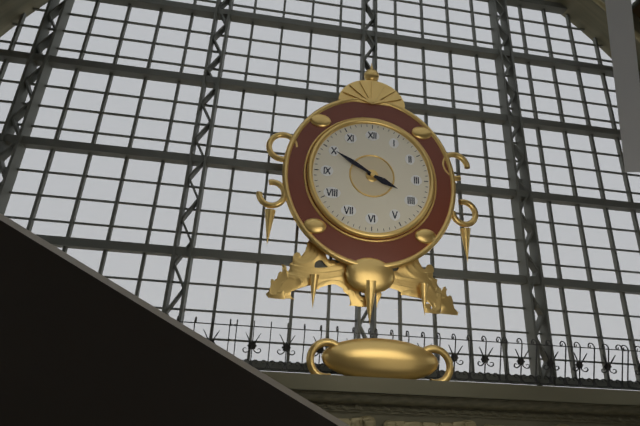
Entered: **3:50**
